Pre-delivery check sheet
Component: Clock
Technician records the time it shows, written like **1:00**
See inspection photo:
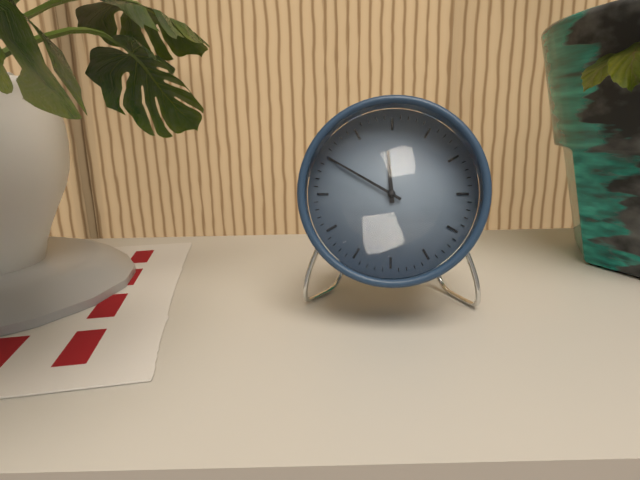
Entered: **11:50**
